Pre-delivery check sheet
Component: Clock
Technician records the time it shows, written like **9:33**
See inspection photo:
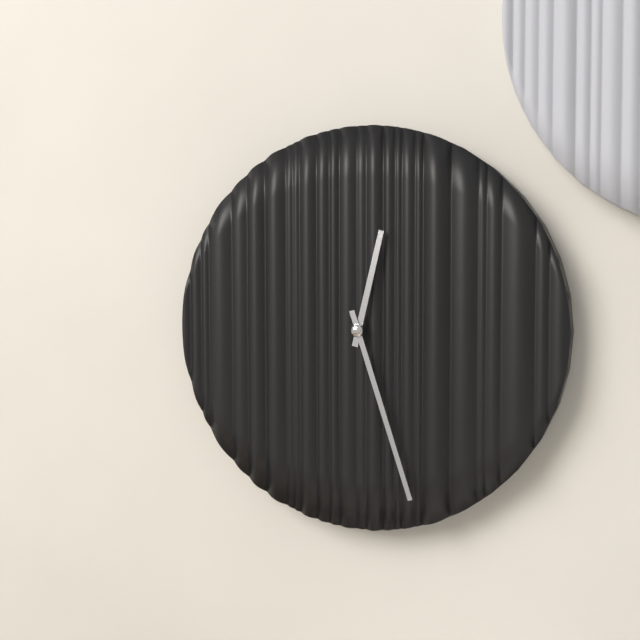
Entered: **12:27**
